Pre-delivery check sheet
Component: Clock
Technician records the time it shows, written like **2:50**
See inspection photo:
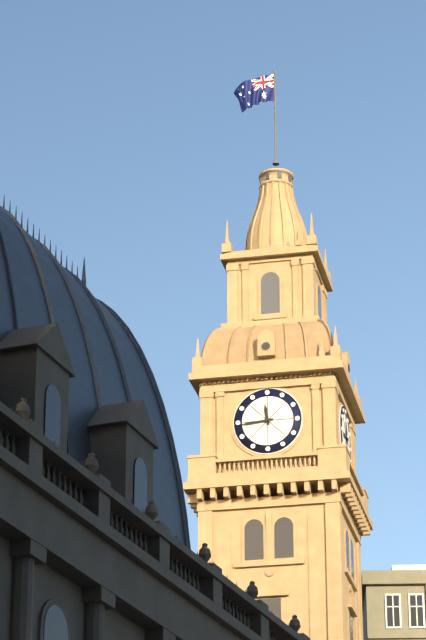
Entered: **11:44**
